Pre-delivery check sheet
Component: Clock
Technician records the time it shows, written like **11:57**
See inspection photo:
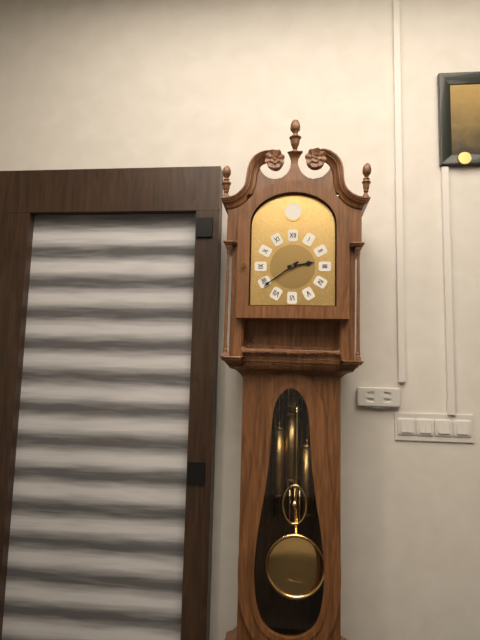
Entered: **2:39**
